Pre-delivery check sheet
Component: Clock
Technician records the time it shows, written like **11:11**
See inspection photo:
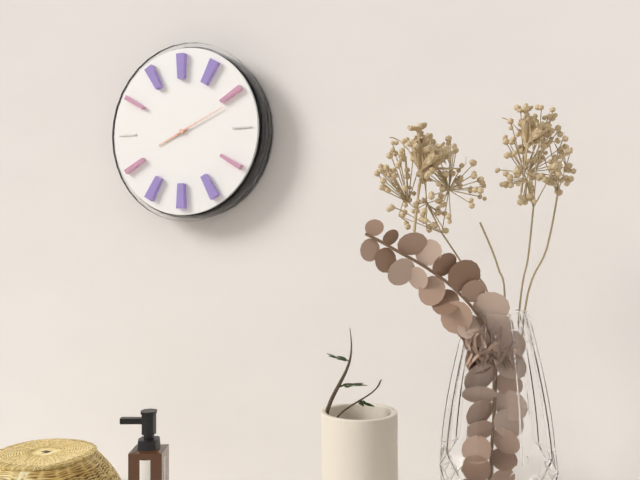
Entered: **8:11**
